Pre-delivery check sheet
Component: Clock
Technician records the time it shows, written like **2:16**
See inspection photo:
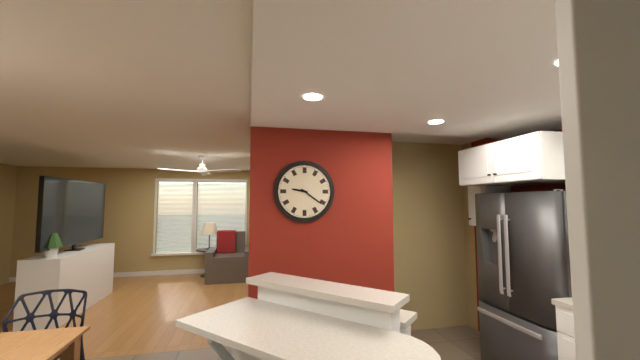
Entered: **9:21**
